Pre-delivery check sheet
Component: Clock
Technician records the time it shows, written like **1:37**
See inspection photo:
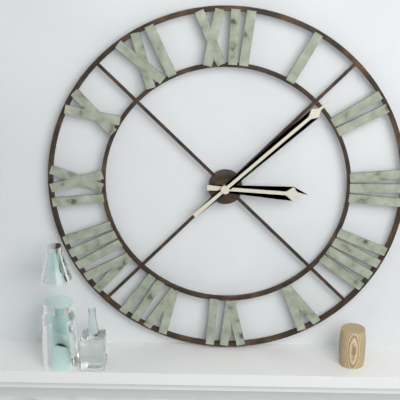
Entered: **3:08**
